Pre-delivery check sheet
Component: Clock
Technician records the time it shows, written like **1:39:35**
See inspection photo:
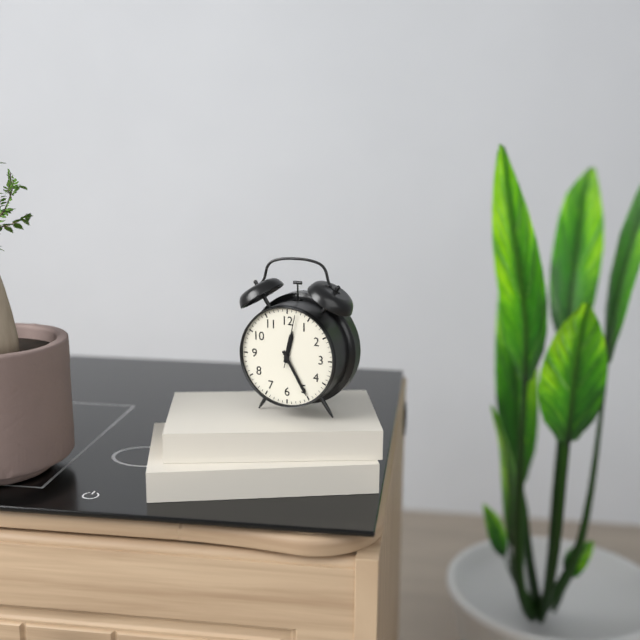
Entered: **12:25:02**
